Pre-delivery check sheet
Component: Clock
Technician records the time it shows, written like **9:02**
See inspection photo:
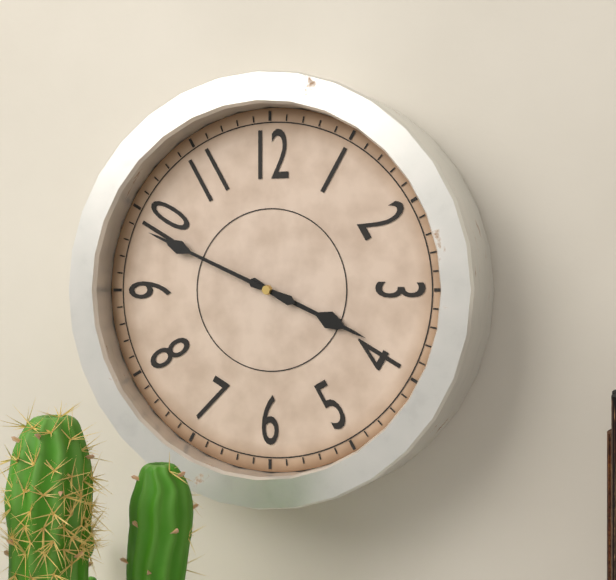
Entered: **3:49**
